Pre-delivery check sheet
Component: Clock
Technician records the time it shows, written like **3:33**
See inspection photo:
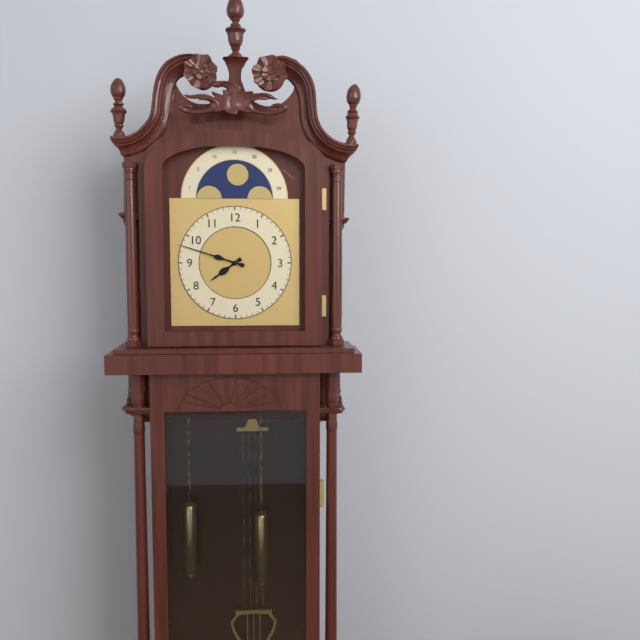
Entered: **7:48**
